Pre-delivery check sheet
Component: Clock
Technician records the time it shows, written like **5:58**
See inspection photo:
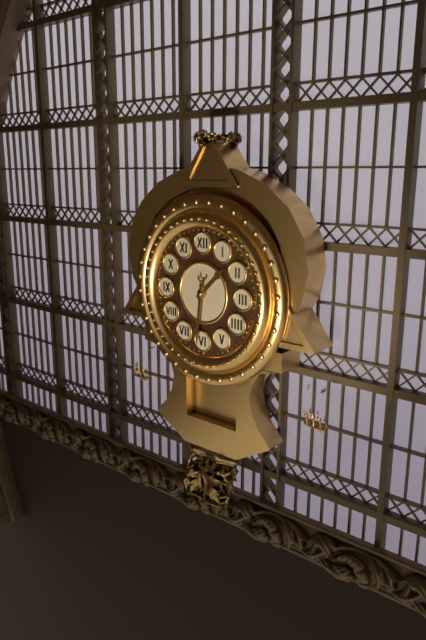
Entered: **1:31**
